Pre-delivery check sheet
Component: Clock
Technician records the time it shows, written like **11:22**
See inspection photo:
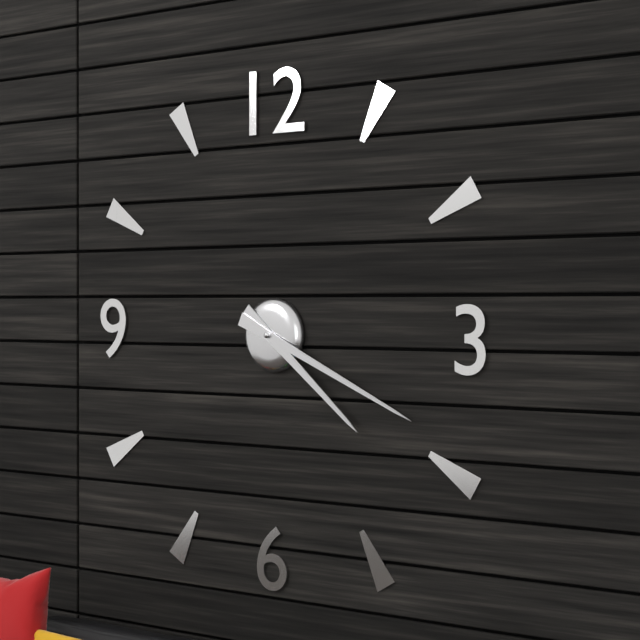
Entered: **4:19**
